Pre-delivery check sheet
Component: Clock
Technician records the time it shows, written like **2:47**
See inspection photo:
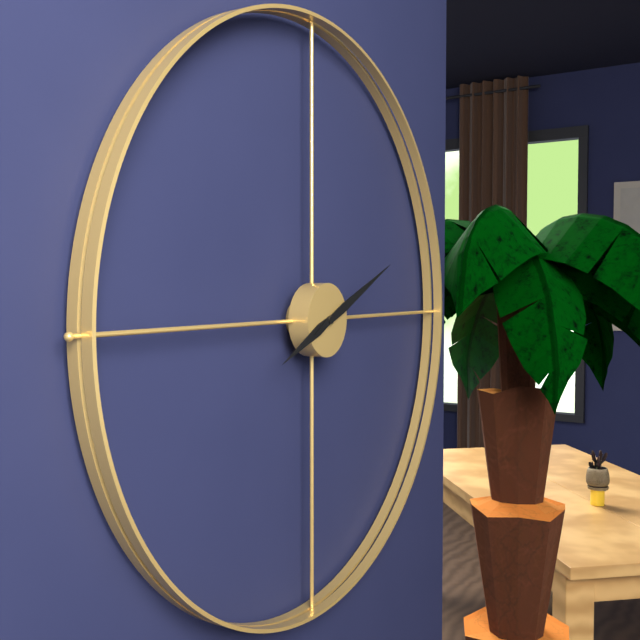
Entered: **8:11**
